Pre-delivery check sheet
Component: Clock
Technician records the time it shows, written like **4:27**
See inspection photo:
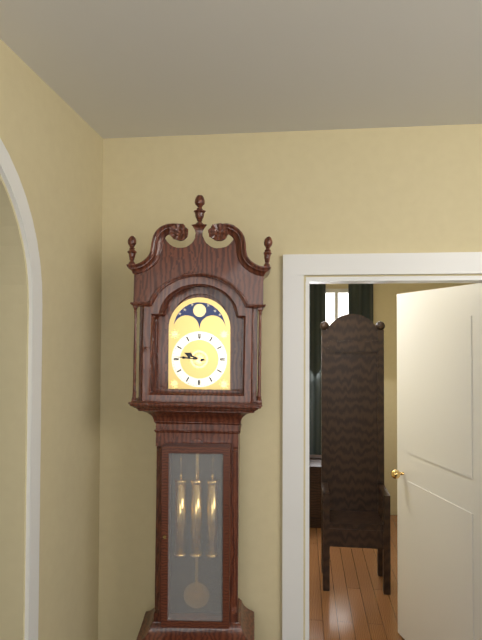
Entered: **9:46**
